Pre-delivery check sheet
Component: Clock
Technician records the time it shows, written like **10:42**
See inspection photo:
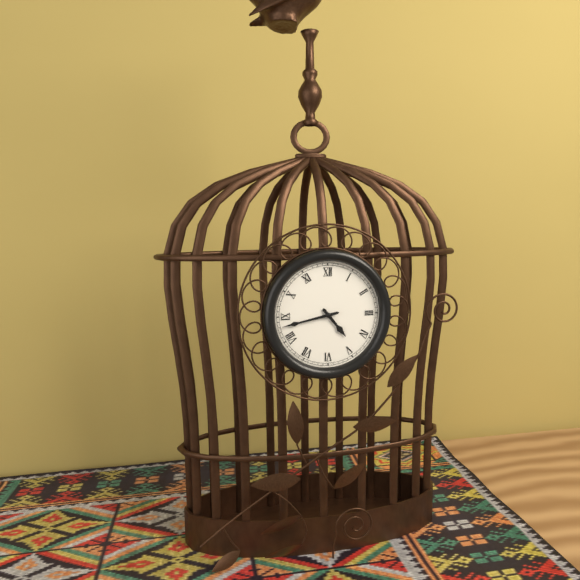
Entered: **4:43**
